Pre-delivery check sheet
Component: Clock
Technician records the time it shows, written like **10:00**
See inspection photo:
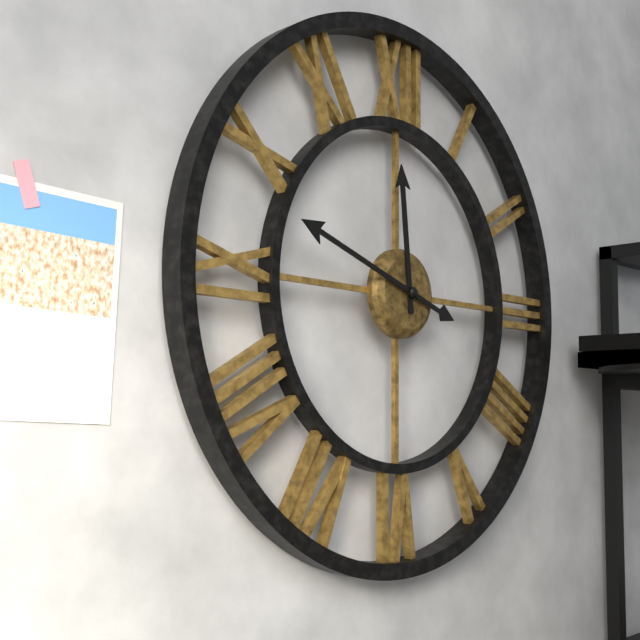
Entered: **11:48**
